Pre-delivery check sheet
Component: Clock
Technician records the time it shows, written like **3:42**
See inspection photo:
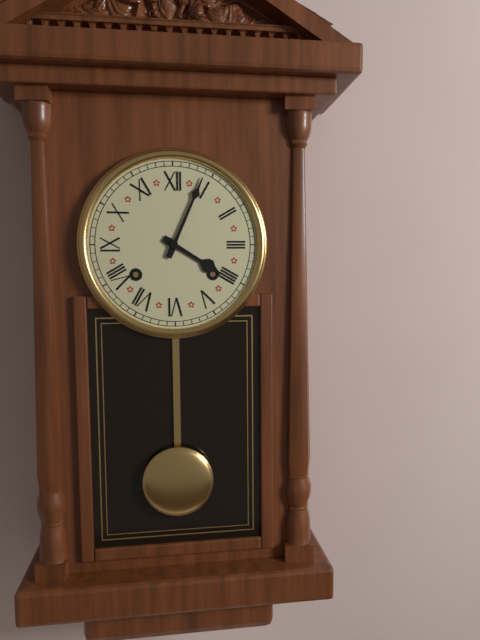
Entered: **4:04**
